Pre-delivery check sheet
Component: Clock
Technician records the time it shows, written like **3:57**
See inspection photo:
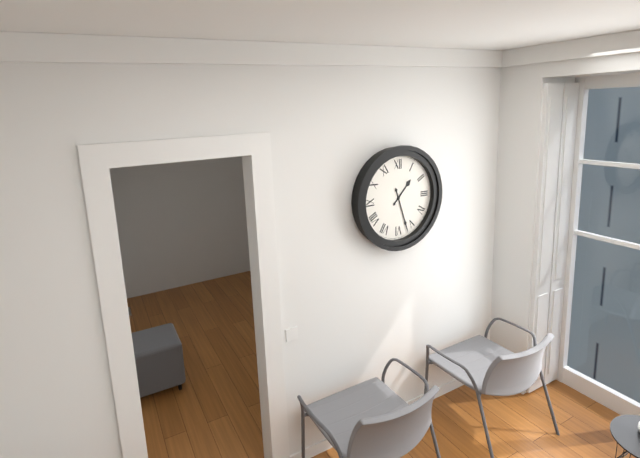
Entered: **1:27**
